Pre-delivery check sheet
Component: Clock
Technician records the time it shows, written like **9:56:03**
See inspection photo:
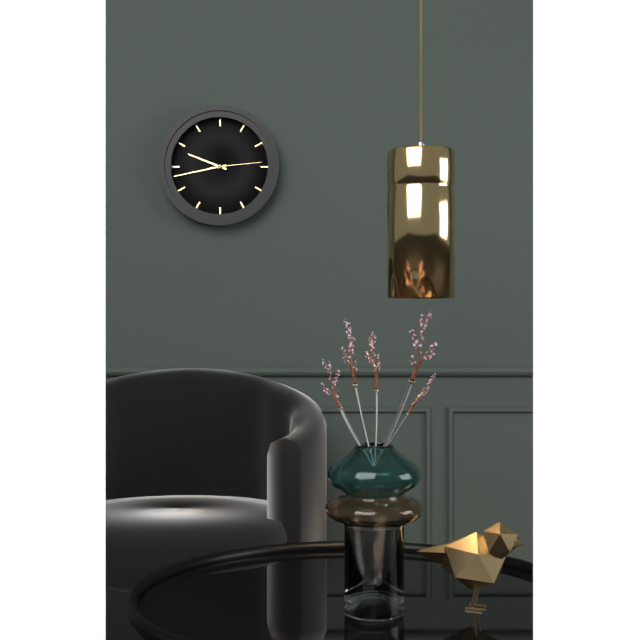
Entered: **9:43:14**
